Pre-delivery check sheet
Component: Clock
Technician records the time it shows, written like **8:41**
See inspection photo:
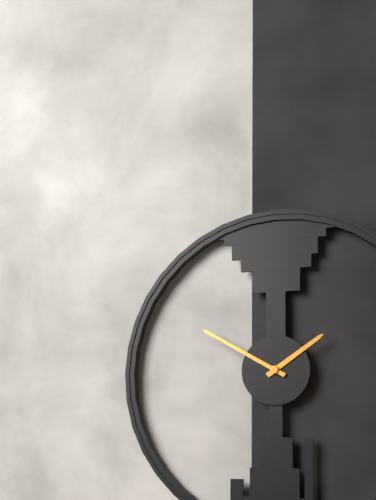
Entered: **1:50**
